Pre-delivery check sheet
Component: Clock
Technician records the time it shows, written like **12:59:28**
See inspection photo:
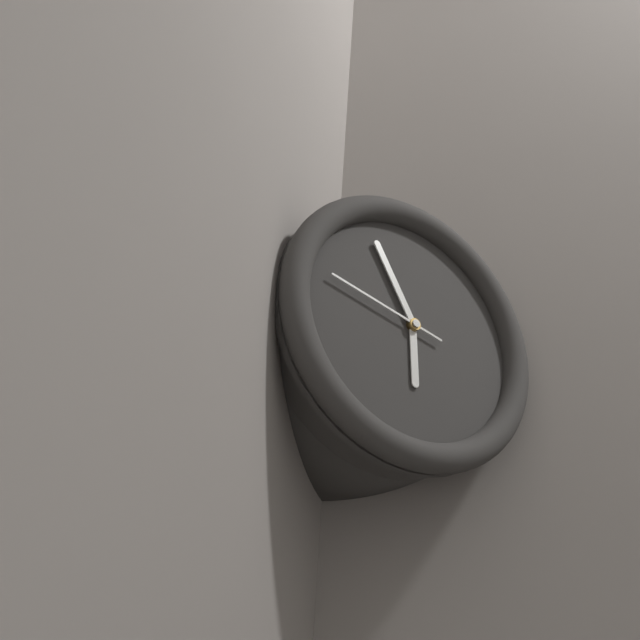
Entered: **5:55:47**
